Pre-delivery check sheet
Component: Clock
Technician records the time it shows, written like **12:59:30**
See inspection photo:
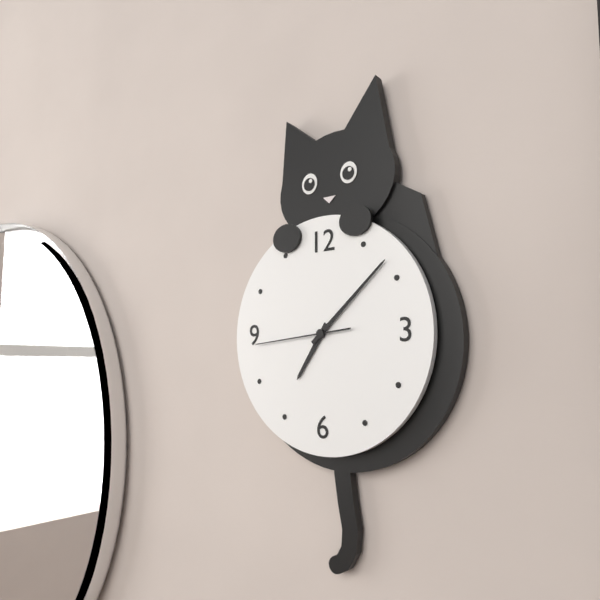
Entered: **7:08:44**
